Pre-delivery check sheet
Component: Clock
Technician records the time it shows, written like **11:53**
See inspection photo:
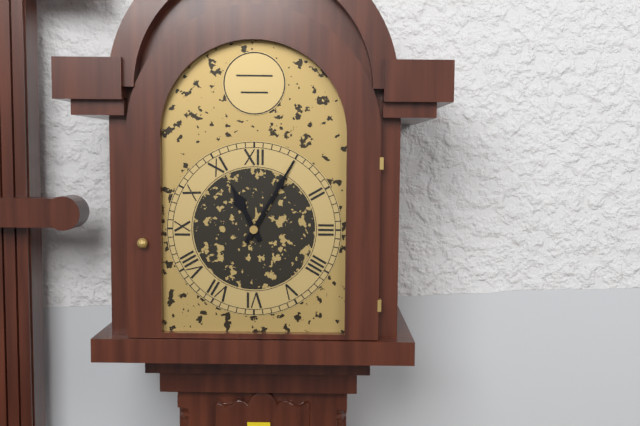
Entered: **11:05**
